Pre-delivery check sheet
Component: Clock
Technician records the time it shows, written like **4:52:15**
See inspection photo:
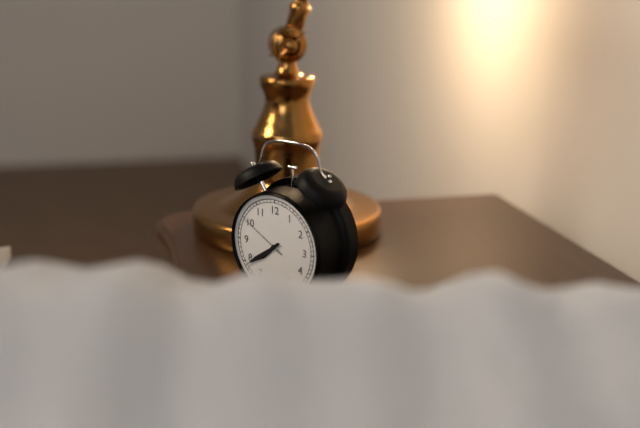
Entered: **7:39:50**
